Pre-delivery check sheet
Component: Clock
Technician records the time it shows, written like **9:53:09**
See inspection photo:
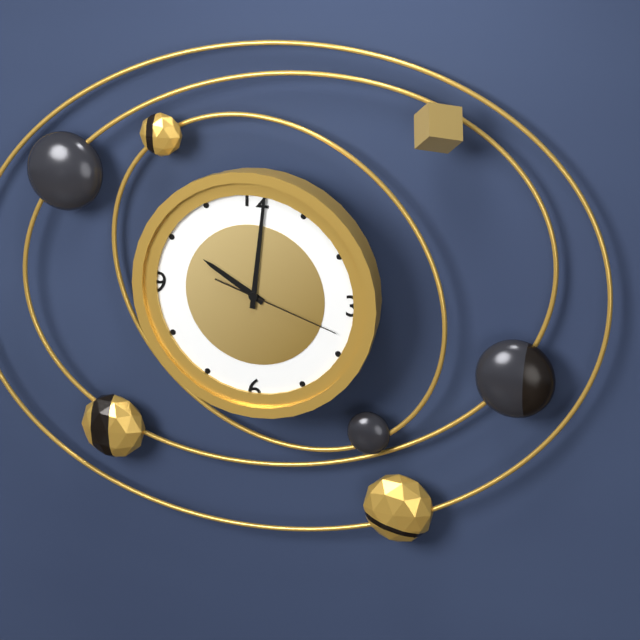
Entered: **10:01:18**
